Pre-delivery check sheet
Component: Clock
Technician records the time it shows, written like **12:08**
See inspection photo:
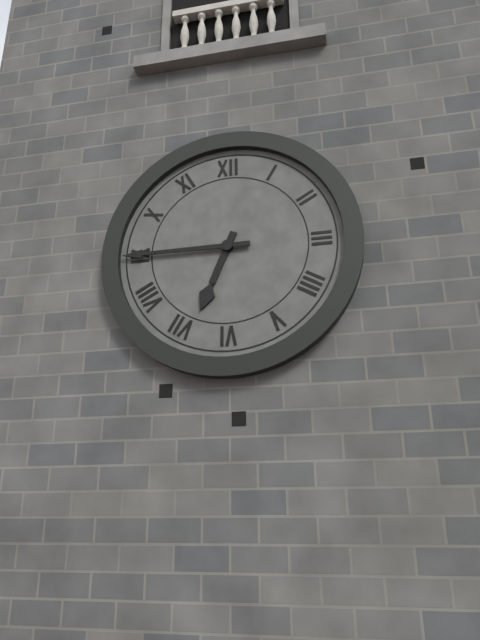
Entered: **6:45**
